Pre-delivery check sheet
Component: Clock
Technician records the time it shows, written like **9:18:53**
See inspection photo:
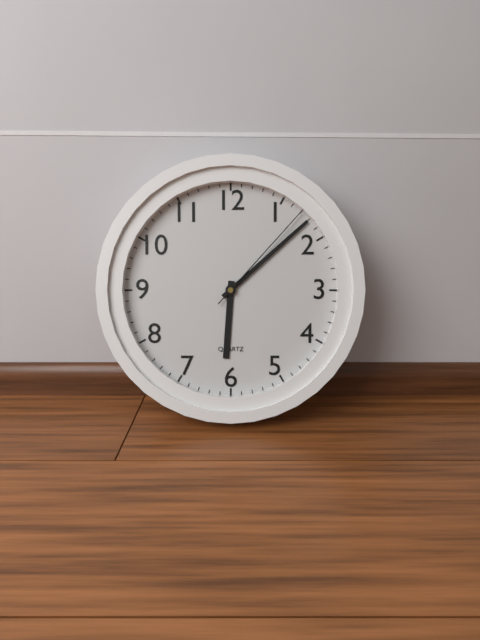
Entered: **6:08:07**
